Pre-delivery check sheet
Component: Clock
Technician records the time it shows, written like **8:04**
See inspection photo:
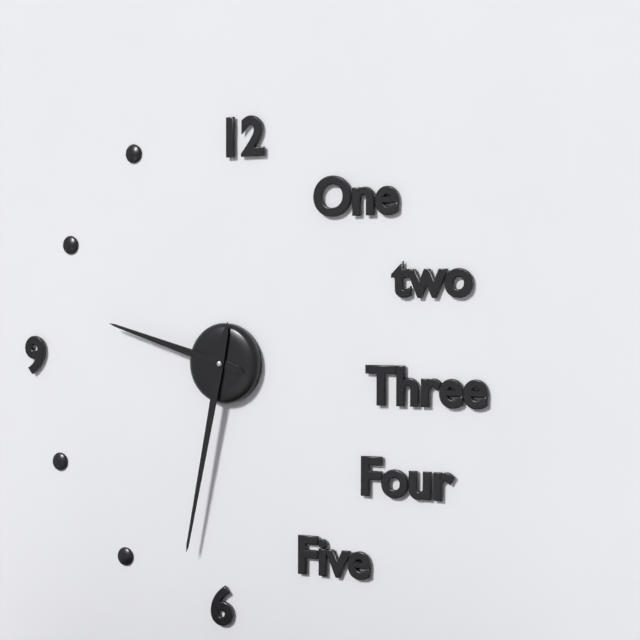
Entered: **9:32**
